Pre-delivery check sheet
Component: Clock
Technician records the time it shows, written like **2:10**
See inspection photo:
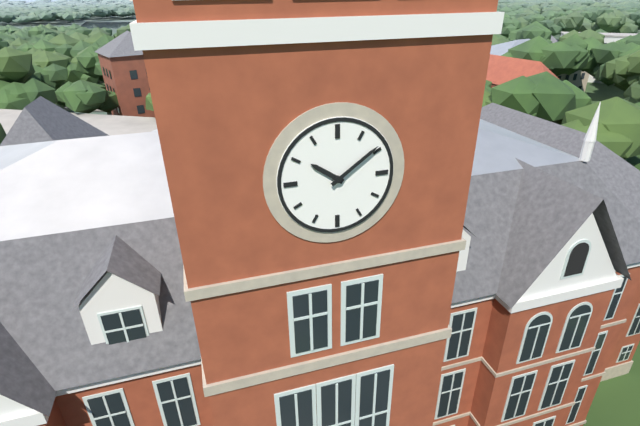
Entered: **10:09**
